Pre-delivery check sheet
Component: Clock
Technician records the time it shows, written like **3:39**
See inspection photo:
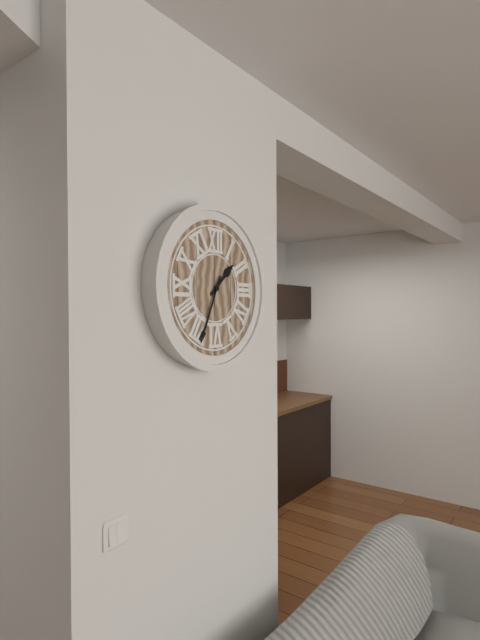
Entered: **1:34**
